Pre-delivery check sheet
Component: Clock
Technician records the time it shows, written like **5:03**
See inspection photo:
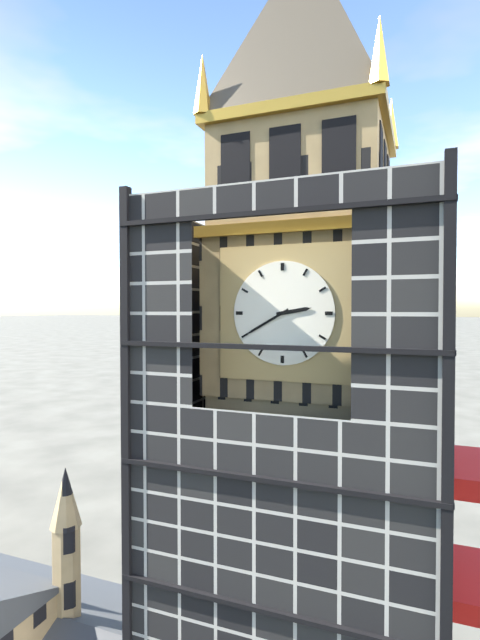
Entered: **2:40**
